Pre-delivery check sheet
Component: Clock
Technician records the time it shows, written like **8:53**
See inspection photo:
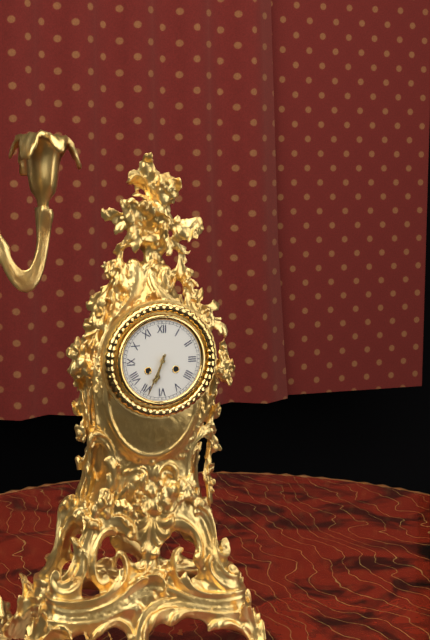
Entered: **6:34**
